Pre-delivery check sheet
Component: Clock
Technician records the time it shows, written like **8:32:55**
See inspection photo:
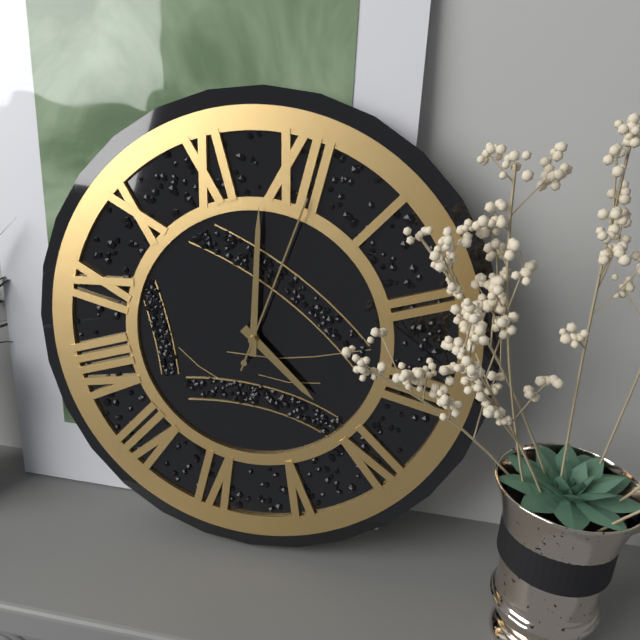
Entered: **3:58:01**
